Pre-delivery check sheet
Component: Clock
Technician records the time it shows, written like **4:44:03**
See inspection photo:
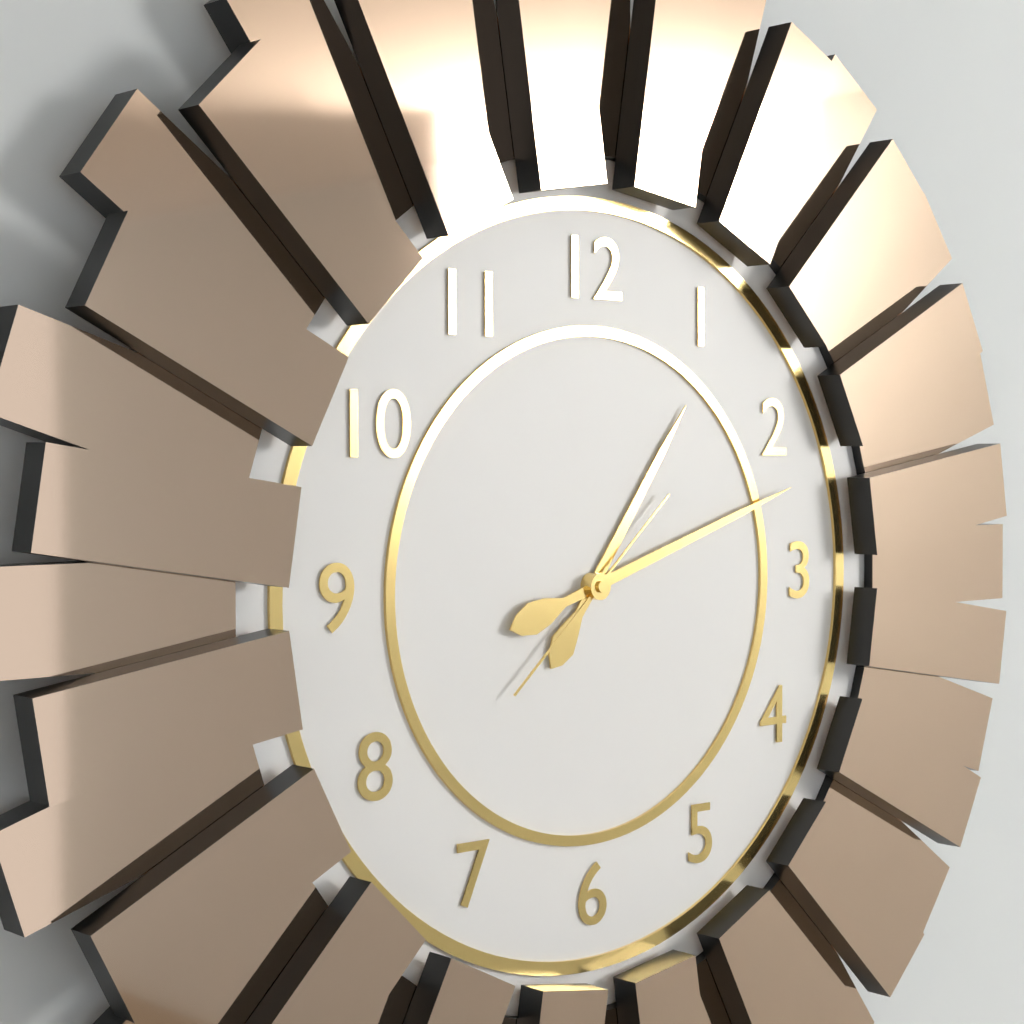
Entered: **1:12:38**
